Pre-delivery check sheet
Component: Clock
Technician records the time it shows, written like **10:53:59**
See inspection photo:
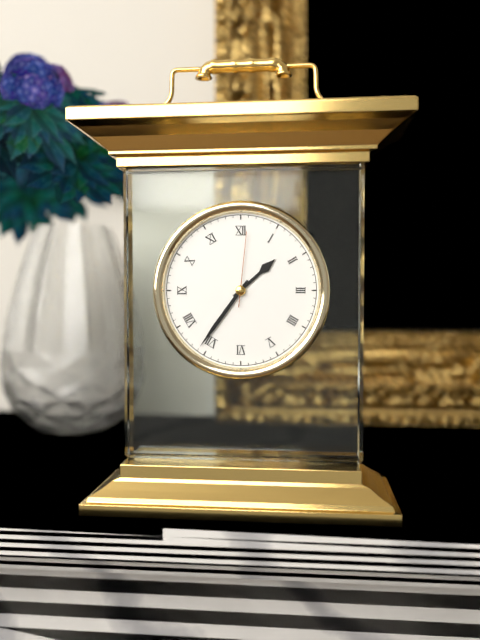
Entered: **1:36:01**
